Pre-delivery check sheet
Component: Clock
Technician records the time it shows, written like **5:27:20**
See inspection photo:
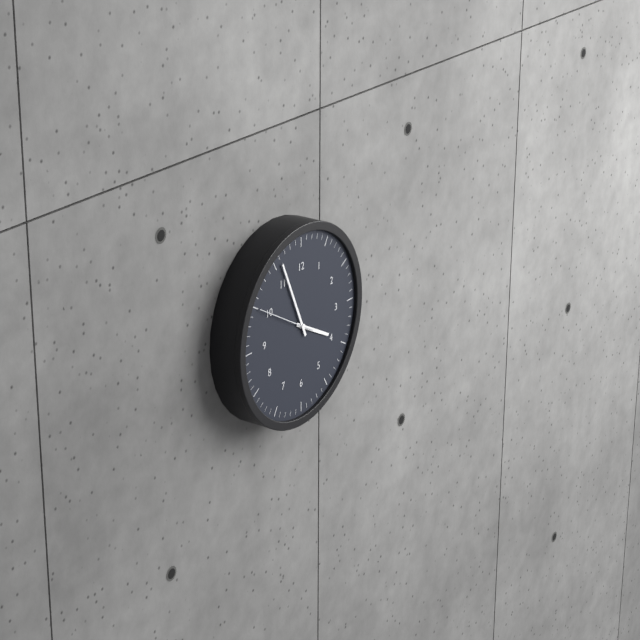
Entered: **3:56:50**
